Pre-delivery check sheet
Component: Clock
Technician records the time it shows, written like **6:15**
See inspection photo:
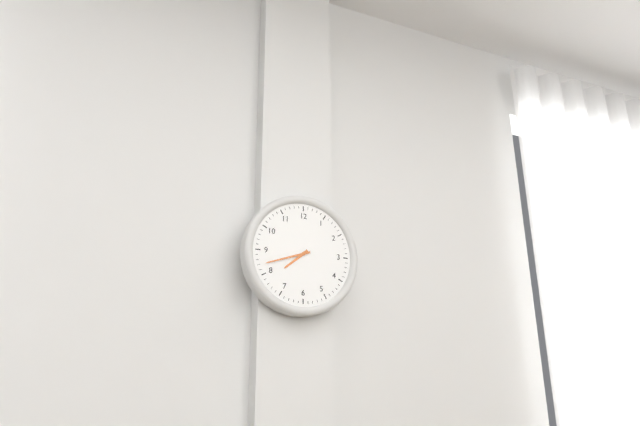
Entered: **7:42**
